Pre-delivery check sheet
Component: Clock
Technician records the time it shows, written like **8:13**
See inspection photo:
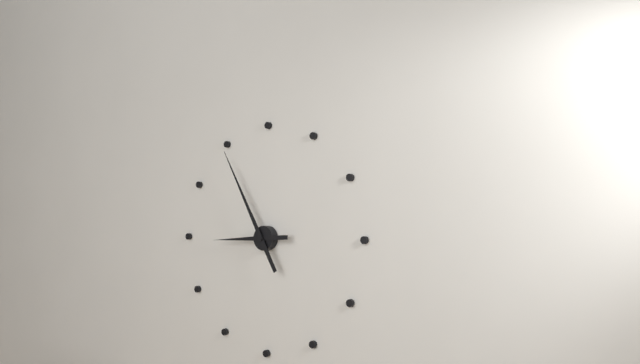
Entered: **8:55**
